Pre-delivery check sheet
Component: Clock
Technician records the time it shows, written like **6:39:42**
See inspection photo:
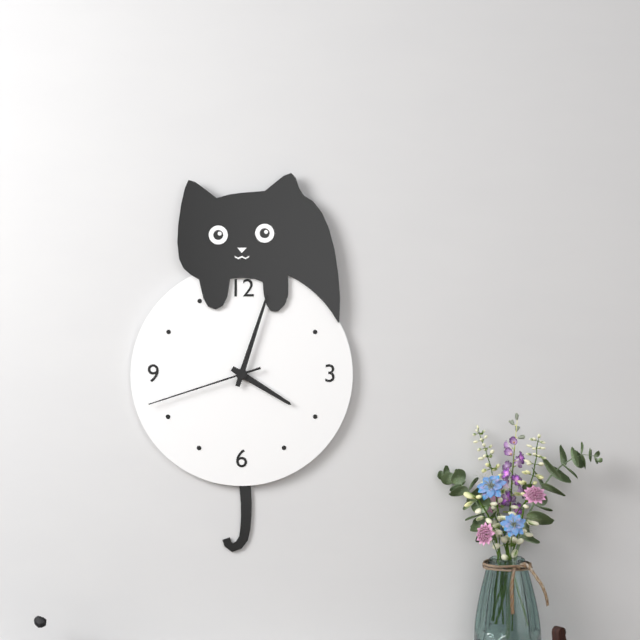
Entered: **4:03:42**
